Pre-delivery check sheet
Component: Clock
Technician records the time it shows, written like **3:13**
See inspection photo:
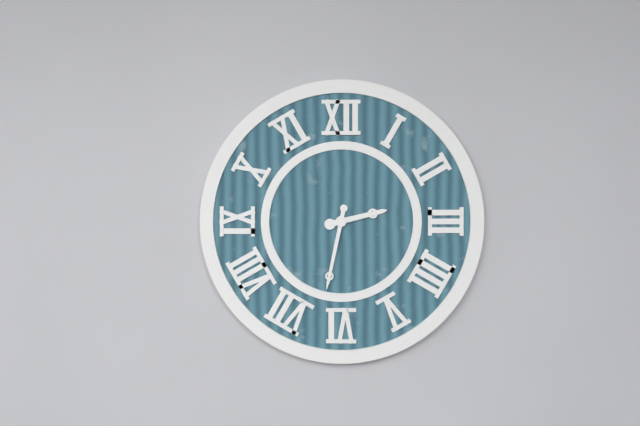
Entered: **2:32**
